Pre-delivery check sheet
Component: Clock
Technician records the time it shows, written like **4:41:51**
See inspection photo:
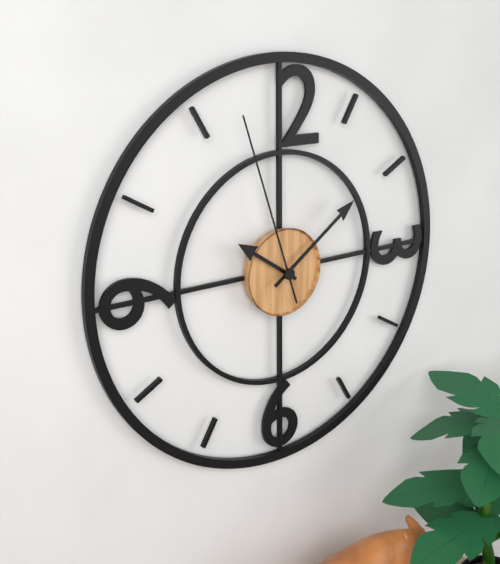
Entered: **10:09:57**
